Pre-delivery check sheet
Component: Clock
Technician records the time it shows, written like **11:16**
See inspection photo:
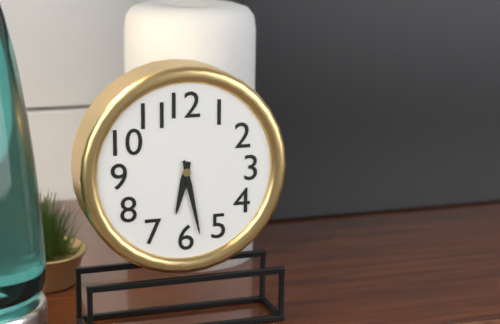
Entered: **6:28**
